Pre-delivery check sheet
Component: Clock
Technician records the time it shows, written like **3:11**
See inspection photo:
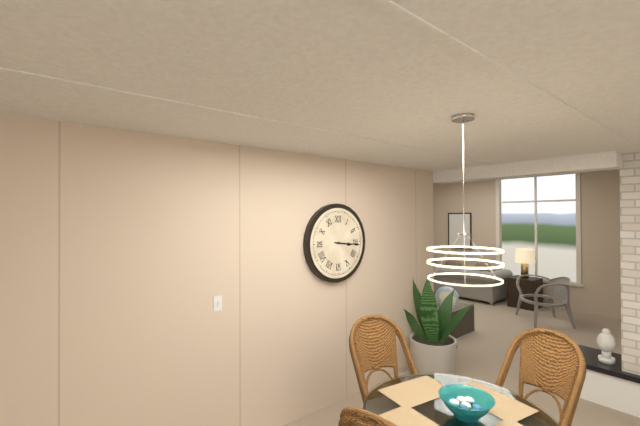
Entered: **3:16**
